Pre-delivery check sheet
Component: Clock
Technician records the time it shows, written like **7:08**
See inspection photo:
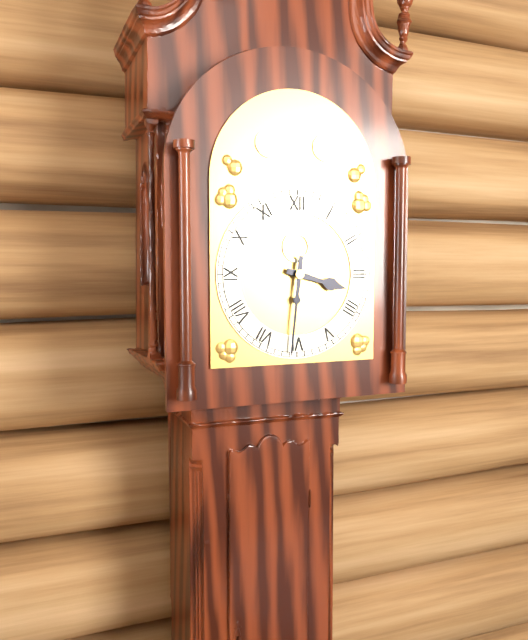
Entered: **3:31**
